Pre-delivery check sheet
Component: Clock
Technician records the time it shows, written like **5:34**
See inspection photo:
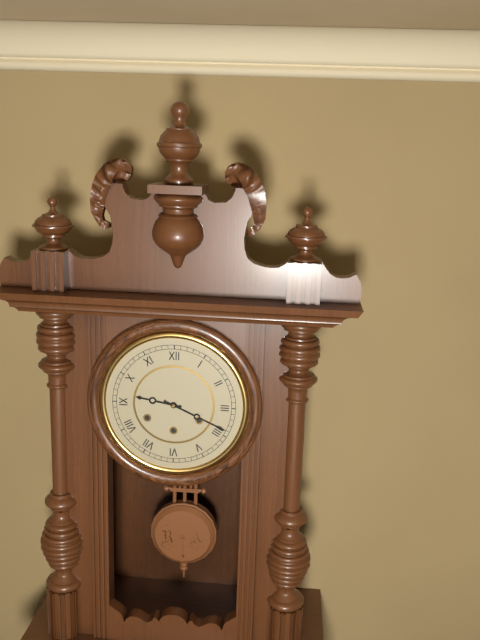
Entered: **9:19**
